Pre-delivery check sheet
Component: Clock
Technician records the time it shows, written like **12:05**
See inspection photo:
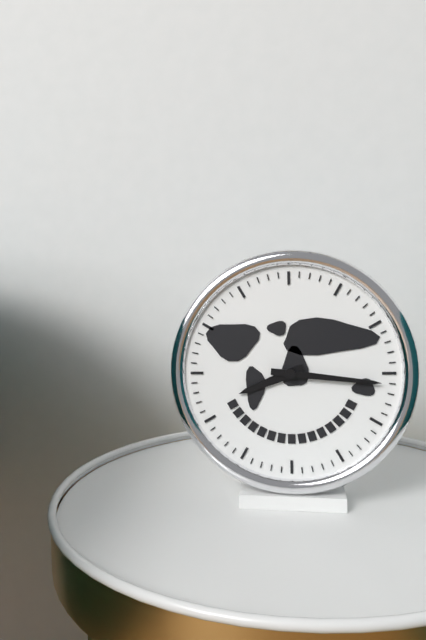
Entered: **8:16**
